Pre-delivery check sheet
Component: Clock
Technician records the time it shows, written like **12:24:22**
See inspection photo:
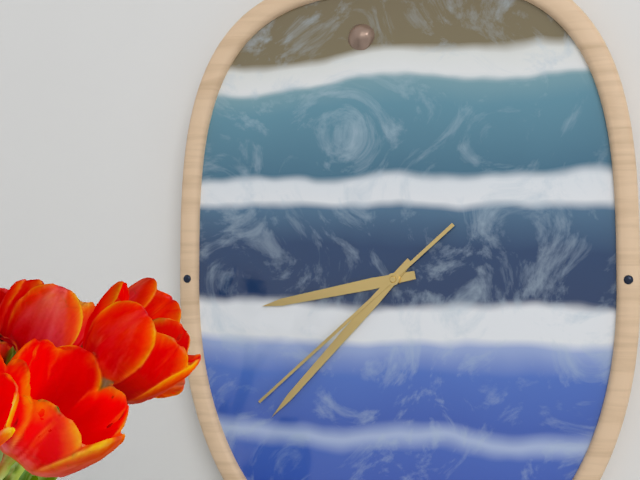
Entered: **8:37:38**
